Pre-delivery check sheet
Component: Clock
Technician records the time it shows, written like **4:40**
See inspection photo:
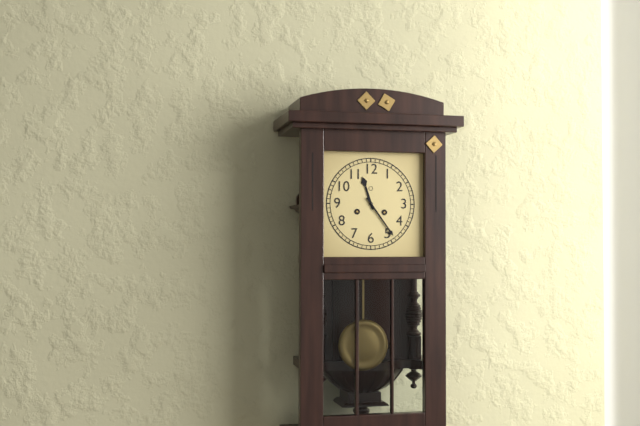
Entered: **11:24**
